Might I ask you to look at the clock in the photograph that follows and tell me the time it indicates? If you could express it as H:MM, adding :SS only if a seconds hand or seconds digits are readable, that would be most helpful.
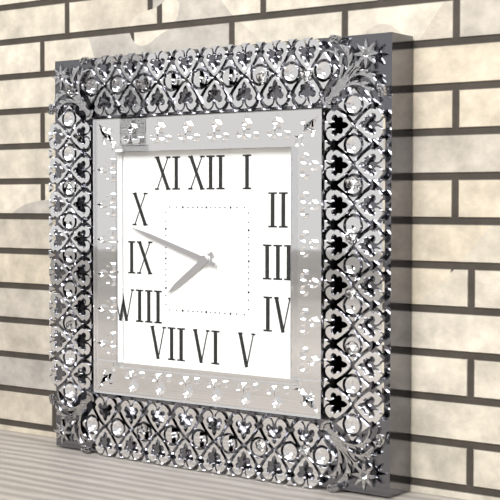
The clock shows 7:48
